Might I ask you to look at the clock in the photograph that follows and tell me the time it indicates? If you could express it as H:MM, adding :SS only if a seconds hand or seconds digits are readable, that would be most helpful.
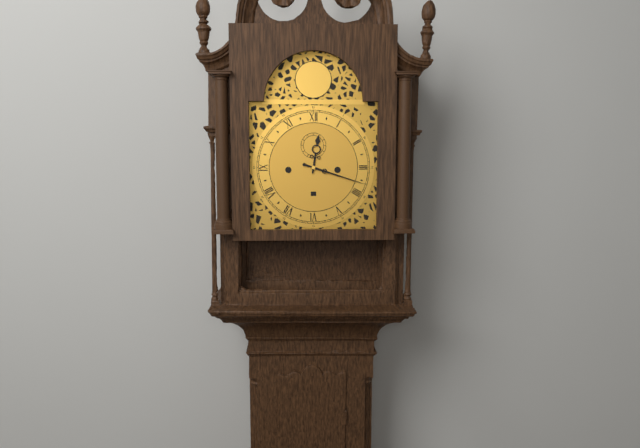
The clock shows 12:18
